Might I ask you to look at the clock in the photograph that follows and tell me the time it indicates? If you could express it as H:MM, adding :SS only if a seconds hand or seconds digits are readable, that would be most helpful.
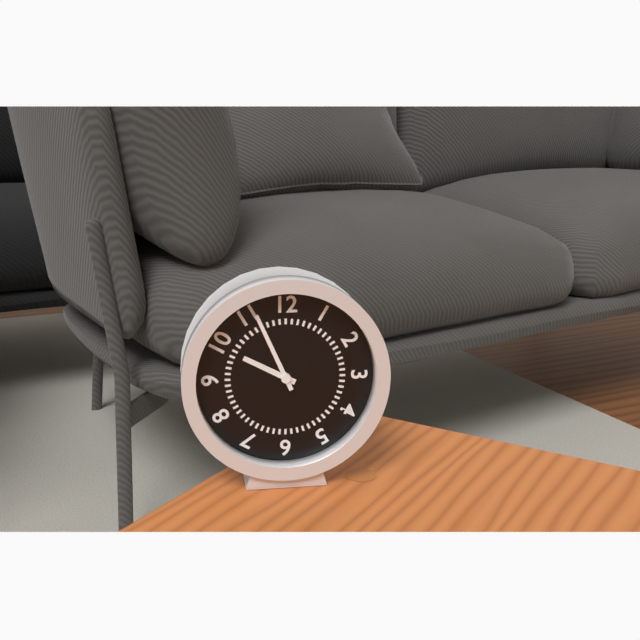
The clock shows 9:56
